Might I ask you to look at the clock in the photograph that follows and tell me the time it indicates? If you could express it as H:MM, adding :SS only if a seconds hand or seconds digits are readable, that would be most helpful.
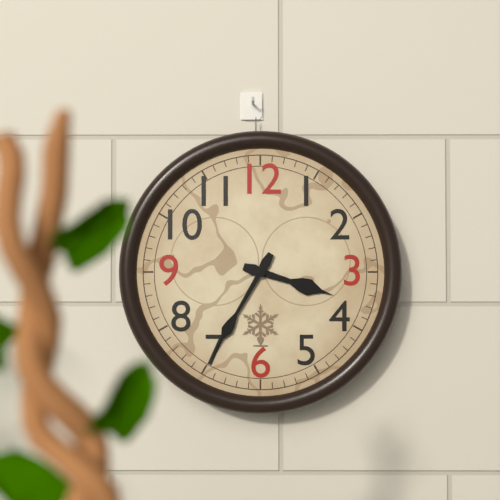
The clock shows 3:35
